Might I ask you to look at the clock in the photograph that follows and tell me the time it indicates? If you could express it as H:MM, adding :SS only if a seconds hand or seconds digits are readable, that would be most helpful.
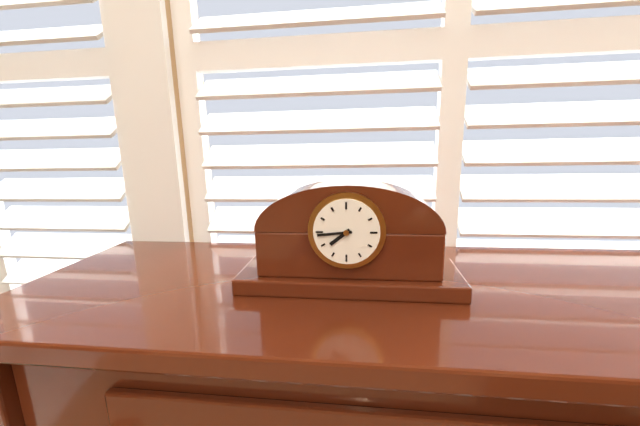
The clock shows 7:44
